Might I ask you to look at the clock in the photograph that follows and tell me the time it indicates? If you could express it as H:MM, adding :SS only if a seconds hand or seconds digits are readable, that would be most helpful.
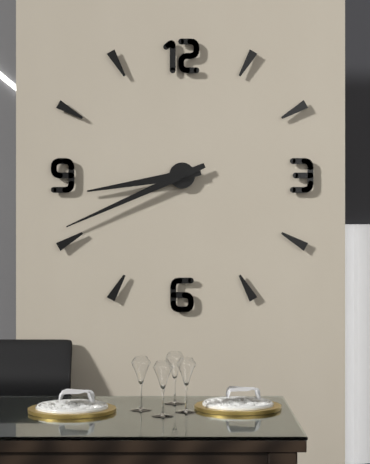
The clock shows 8:41
